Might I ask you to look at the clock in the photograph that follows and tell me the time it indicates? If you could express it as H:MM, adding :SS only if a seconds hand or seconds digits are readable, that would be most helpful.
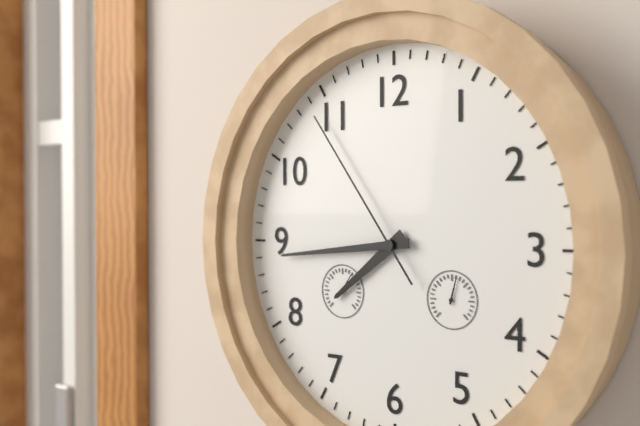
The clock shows 7:44:54
